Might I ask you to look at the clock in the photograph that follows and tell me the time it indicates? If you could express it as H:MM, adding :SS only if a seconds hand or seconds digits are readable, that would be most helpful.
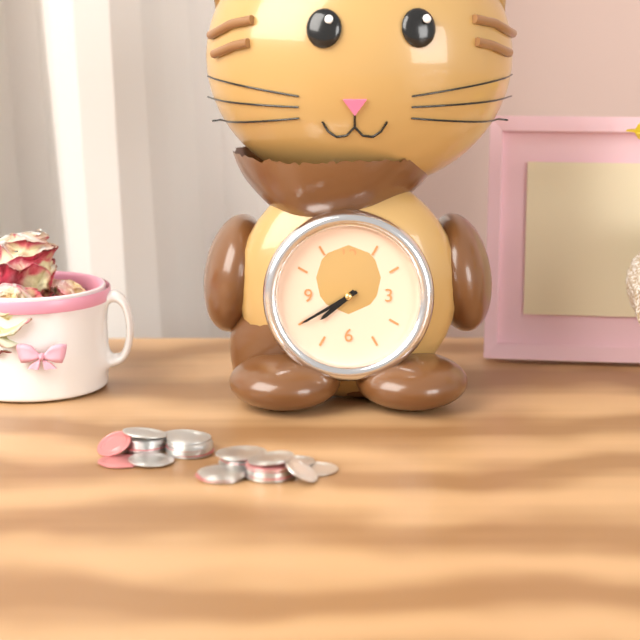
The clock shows 7:40
